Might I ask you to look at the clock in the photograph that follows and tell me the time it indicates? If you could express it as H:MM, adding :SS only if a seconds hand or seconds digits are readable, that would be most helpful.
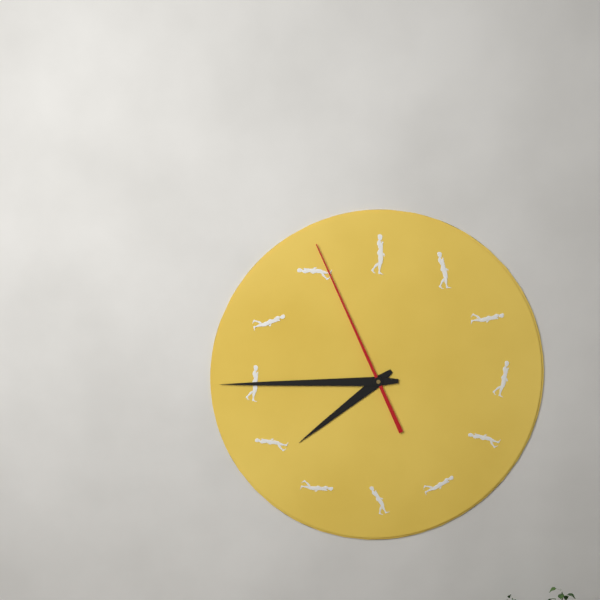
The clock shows 7:45:56
